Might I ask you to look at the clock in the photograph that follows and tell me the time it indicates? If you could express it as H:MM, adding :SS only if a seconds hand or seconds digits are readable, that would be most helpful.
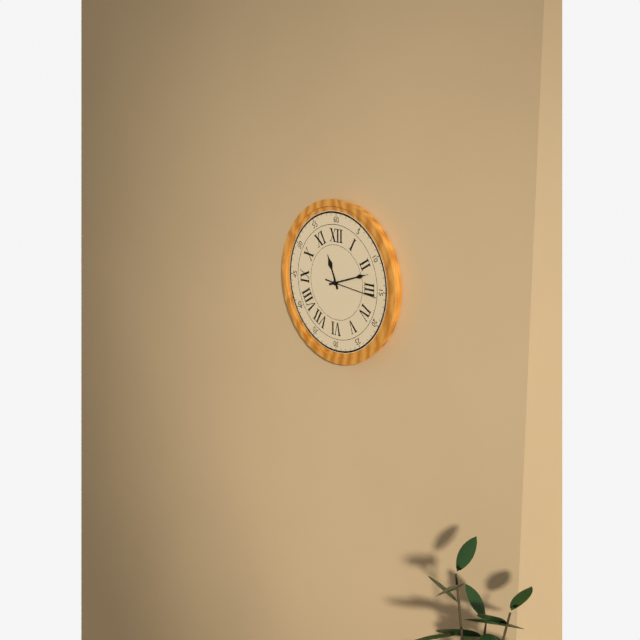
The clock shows 11:12:16
